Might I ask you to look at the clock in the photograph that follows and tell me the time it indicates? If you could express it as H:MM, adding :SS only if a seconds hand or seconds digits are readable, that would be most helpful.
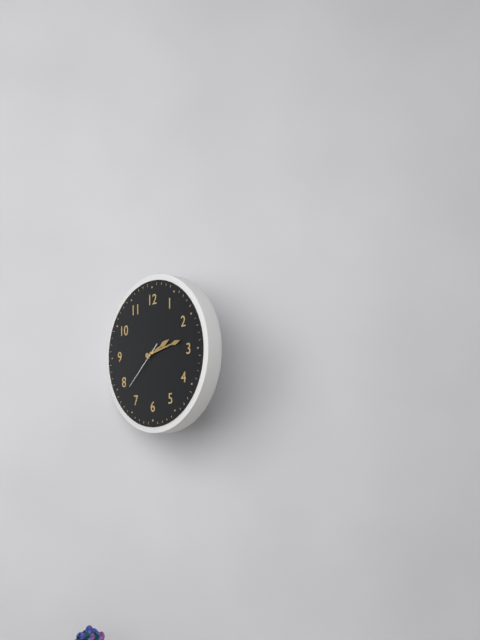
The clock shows 2:13
